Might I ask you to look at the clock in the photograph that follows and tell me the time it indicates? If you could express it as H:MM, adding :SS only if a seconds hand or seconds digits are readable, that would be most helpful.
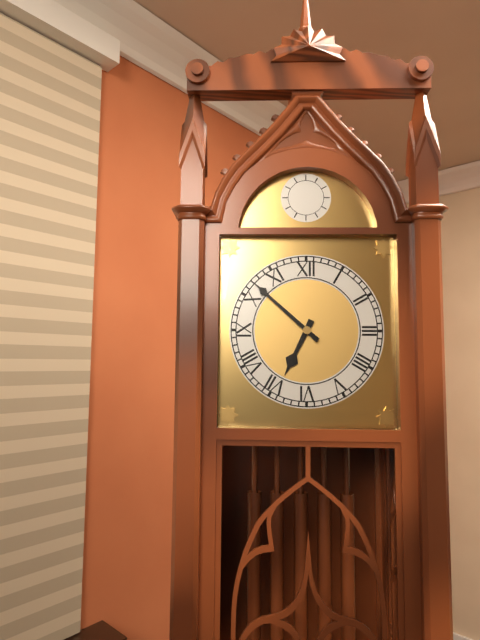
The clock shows 6:52
